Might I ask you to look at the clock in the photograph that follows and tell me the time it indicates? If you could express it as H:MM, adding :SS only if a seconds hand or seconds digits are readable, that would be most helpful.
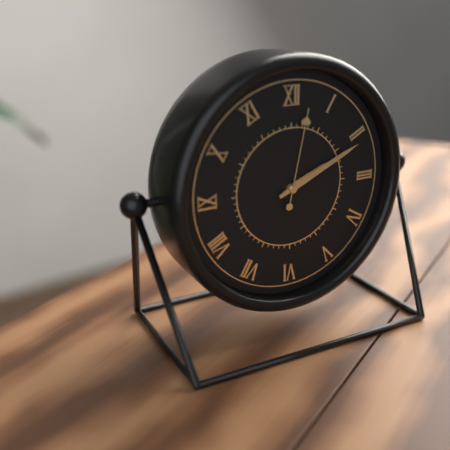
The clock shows 2:11:02
